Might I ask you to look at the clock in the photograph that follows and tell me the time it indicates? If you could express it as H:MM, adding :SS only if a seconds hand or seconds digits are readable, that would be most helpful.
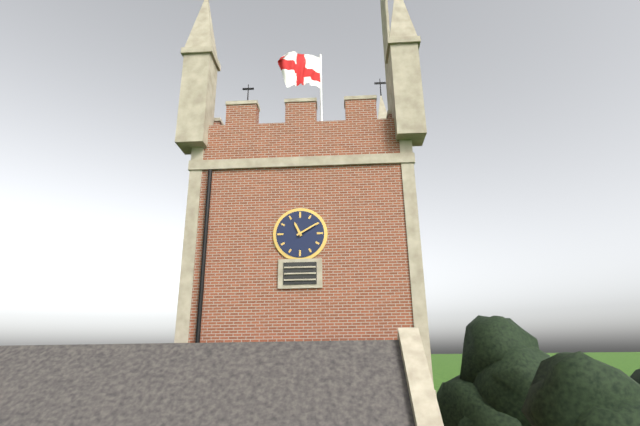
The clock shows 11:10
